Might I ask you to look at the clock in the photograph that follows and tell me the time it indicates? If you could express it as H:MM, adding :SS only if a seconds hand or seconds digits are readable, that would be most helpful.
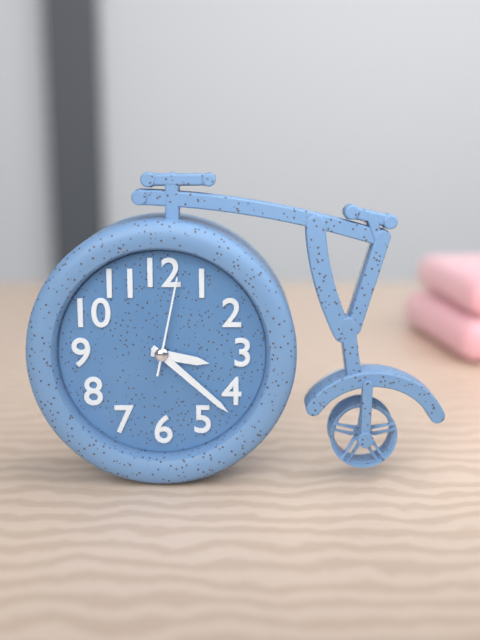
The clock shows 3:22:02
